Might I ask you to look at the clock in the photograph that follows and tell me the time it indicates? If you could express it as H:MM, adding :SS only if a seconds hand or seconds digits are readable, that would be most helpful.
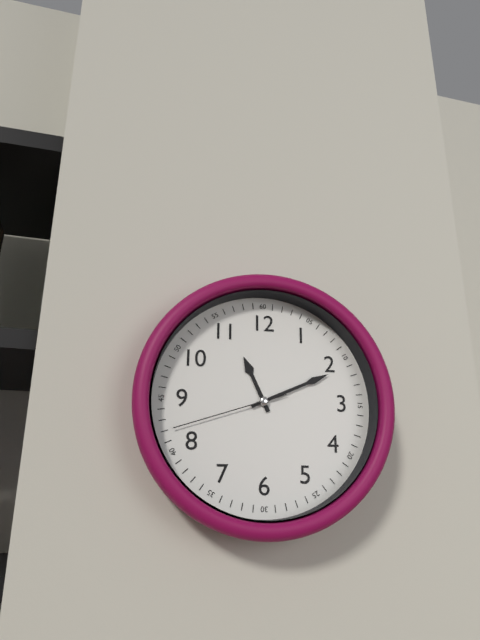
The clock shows 11:11:42
